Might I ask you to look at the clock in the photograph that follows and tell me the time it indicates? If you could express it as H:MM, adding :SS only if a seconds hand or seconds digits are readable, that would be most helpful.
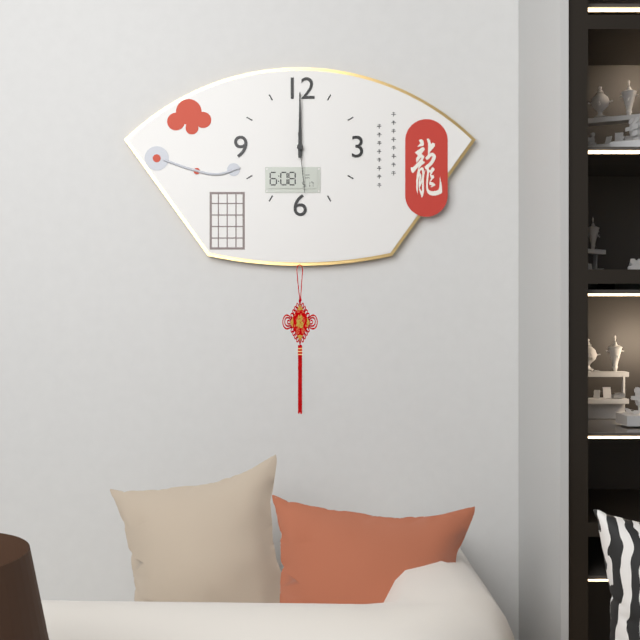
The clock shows 12:00:29
